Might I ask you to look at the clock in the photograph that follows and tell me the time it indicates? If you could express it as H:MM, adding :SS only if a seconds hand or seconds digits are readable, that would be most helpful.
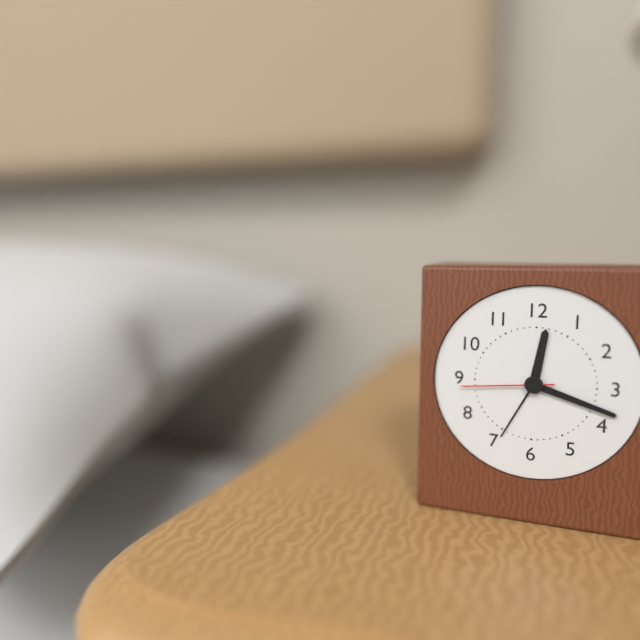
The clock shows 12:18:44
